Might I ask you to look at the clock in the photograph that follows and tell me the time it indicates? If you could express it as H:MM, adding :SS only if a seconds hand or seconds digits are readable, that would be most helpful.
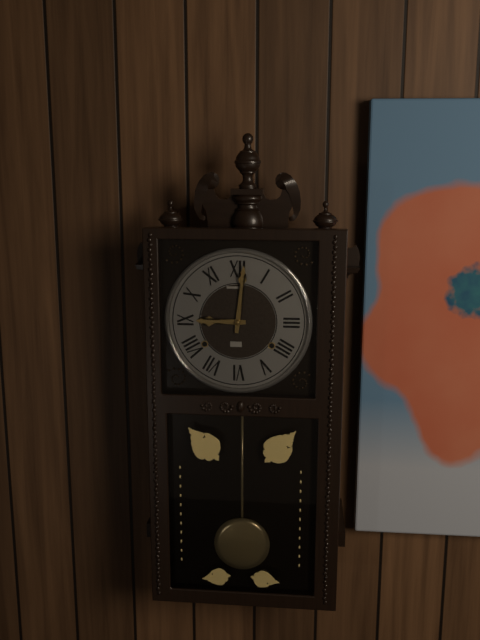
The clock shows 9:01
